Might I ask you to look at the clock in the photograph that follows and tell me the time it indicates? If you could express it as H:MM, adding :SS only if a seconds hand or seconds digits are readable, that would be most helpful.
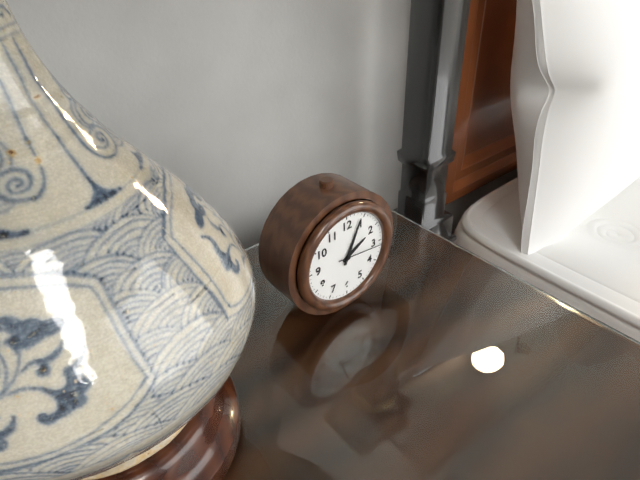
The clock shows 2:04
